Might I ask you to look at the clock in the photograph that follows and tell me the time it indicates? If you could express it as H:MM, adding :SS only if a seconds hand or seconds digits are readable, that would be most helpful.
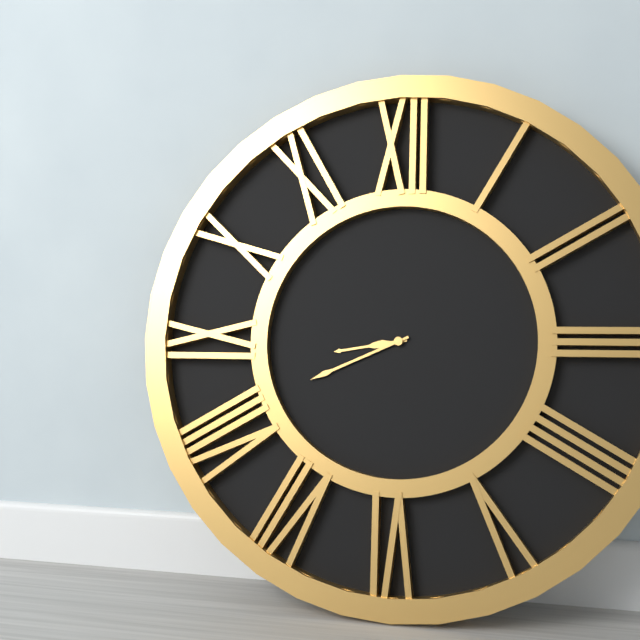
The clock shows 8:41
